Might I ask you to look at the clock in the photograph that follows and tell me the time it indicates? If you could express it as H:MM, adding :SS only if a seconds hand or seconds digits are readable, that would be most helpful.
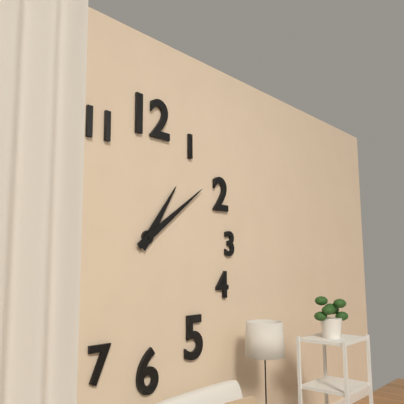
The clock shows 1:09
